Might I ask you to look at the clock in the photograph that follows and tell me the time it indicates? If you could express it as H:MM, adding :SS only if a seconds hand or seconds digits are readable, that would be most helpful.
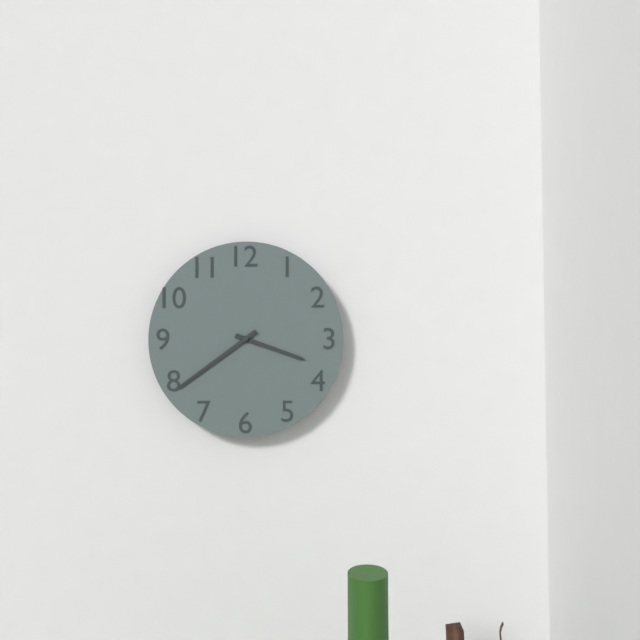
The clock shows 3:39
